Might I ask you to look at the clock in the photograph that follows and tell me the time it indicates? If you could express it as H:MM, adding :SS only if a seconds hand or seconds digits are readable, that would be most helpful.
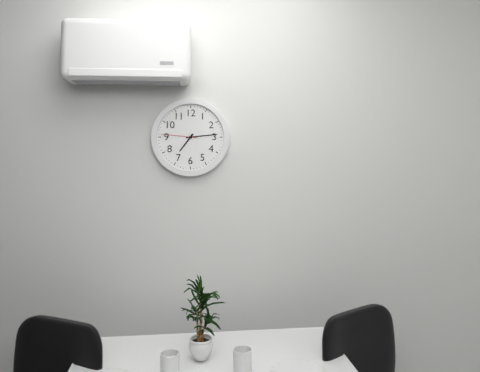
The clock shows 7:14
